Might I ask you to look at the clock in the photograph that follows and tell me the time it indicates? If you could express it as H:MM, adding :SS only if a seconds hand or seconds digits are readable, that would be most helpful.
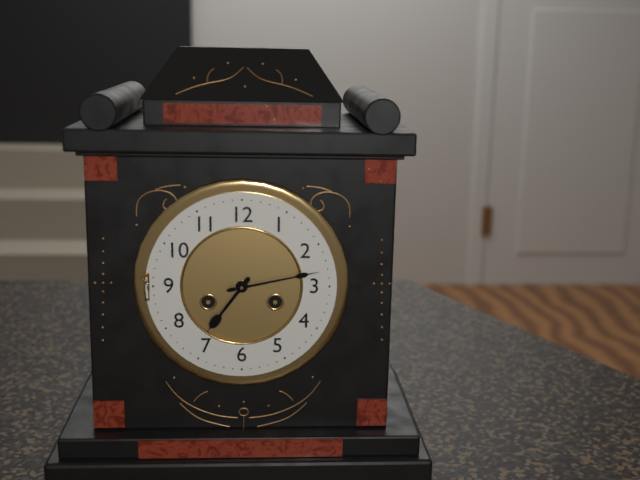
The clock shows 7:13
